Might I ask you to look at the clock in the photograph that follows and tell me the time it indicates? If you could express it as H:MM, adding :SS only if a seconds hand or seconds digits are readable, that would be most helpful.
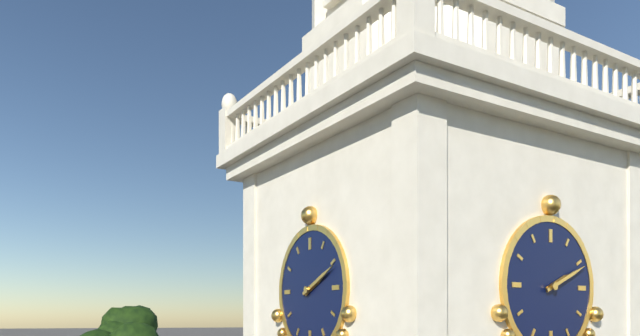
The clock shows 2:11
